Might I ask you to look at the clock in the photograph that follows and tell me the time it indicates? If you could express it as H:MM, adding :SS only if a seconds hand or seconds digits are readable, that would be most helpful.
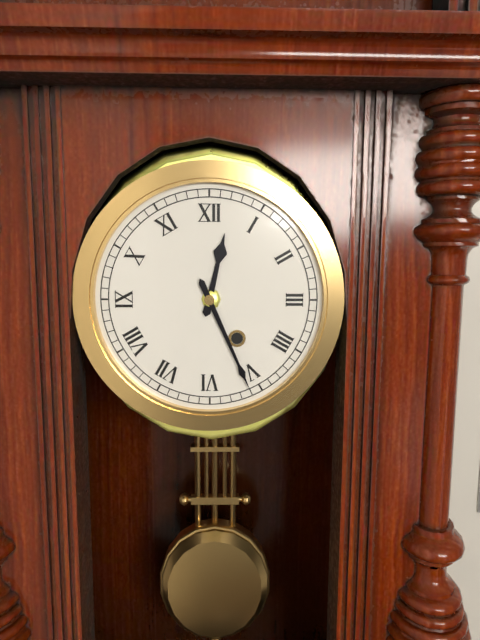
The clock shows 12:26
